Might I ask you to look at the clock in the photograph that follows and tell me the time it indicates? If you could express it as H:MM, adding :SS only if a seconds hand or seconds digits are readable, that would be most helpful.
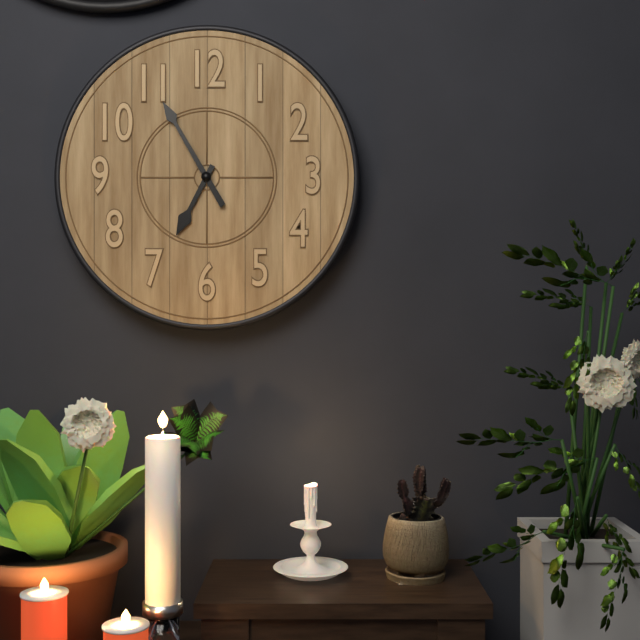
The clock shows 6:55
